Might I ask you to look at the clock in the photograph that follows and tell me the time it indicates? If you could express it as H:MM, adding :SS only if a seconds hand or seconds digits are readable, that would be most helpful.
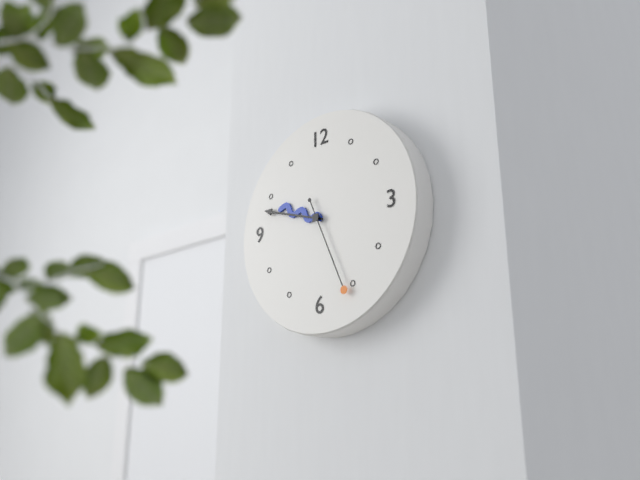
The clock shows 9:48:26
